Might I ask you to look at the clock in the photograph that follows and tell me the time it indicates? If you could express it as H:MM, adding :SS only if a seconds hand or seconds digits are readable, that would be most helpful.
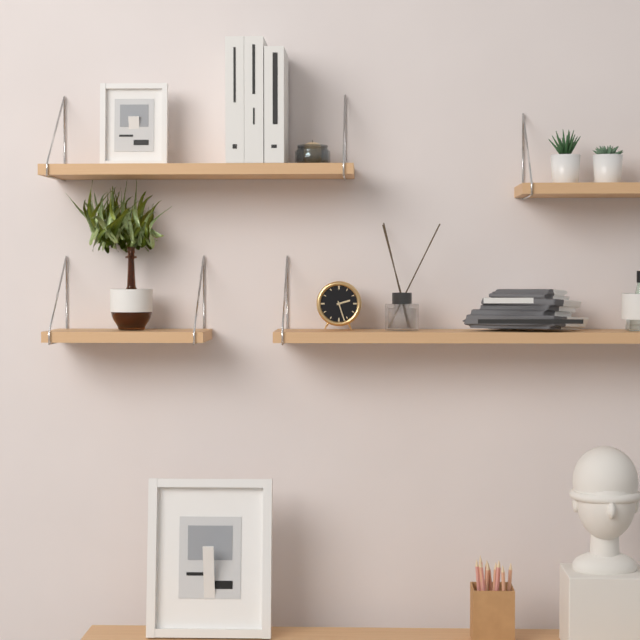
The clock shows 2:27
